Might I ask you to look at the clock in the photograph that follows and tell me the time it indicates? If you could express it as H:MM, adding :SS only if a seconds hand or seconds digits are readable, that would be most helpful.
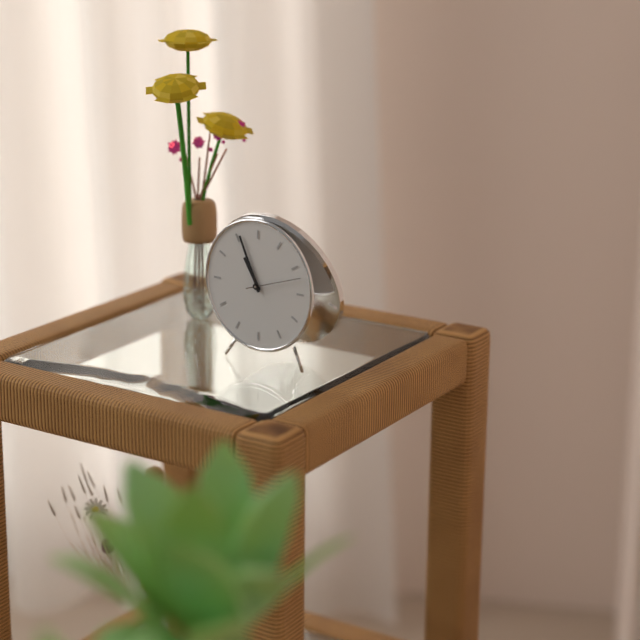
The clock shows 10:56:12
